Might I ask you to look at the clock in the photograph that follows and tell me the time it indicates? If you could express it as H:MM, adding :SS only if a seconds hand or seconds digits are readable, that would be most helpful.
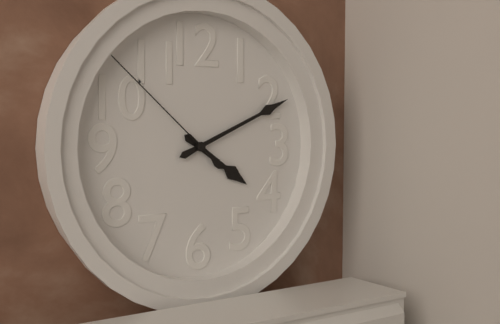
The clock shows 4:11:52
